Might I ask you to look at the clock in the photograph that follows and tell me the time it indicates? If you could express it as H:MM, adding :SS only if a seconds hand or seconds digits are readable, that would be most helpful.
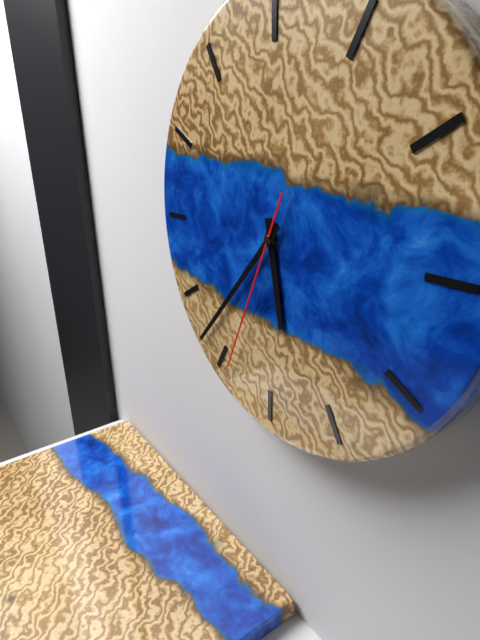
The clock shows 5:37:34
